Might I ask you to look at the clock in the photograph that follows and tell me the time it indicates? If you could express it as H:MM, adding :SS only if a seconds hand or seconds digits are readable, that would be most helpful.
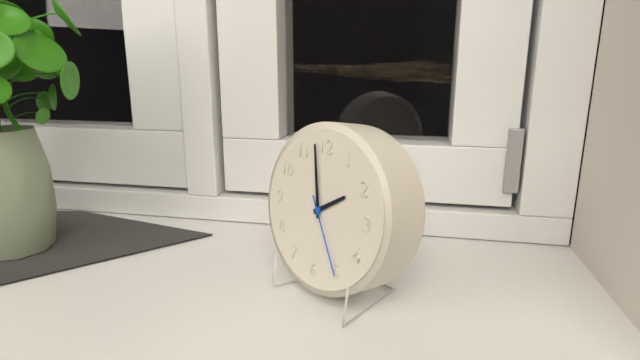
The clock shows 1:58:25
